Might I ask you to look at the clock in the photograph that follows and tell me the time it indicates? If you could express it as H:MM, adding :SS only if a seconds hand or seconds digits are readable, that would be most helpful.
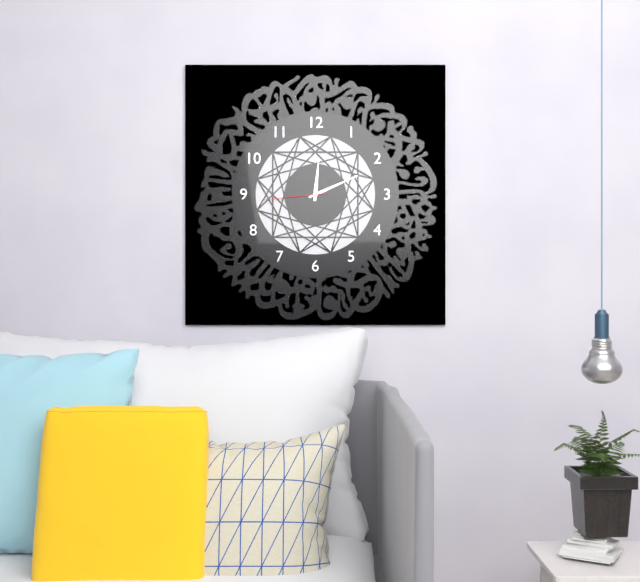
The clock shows 12:11:44
